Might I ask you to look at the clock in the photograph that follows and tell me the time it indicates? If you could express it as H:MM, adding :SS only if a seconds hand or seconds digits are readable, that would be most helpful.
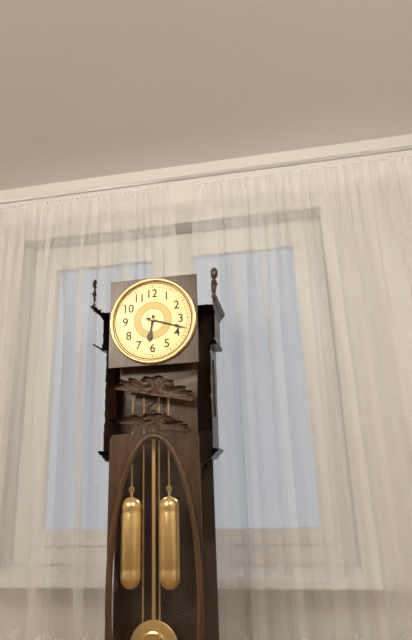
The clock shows 6:18
